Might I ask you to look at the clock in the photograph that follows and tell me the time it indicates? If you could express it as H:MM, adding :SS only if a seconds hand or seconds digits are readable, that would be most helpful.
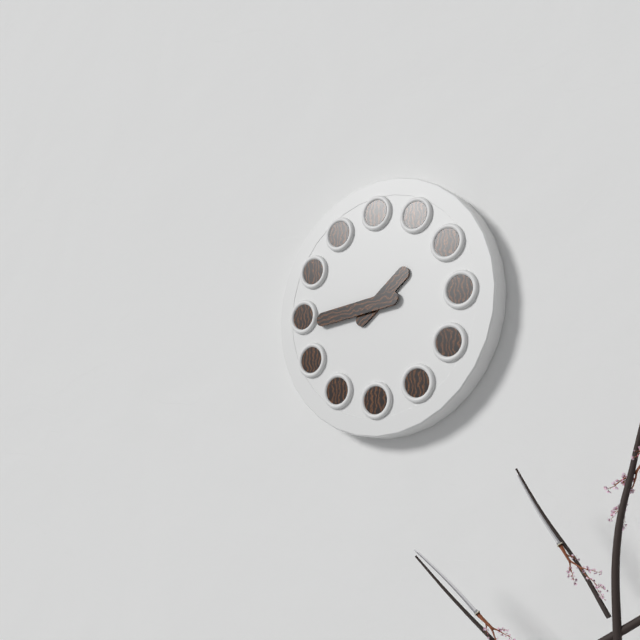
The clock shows 1:44
